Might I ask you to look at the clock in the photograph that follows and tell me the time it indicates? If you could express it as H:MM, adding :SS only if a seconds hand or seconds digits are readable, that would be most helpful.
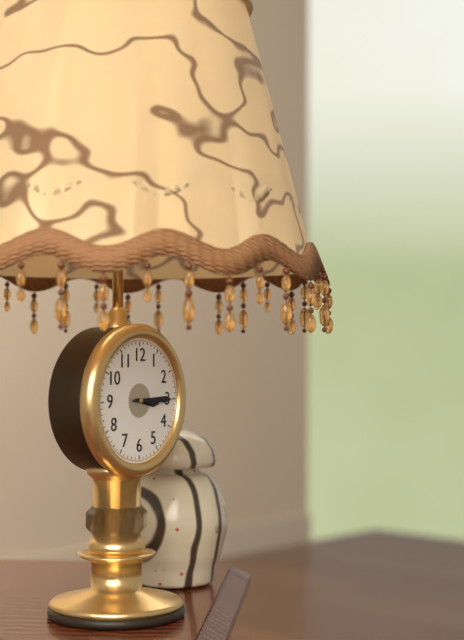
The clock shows 3:15
